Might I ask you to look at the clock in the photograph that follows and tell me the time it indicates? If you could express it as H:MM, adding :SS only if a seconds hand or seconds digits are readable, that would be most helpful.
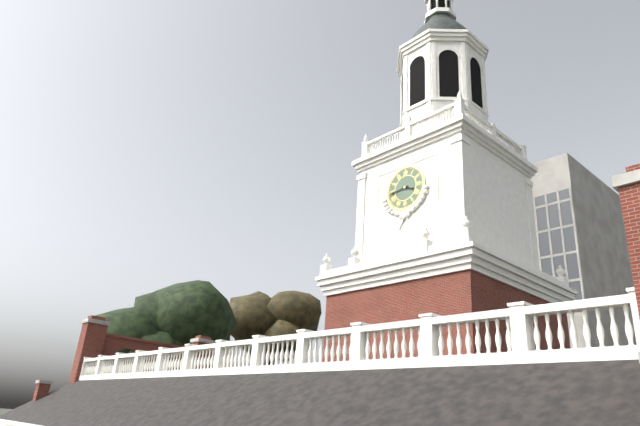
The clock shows 3:44
